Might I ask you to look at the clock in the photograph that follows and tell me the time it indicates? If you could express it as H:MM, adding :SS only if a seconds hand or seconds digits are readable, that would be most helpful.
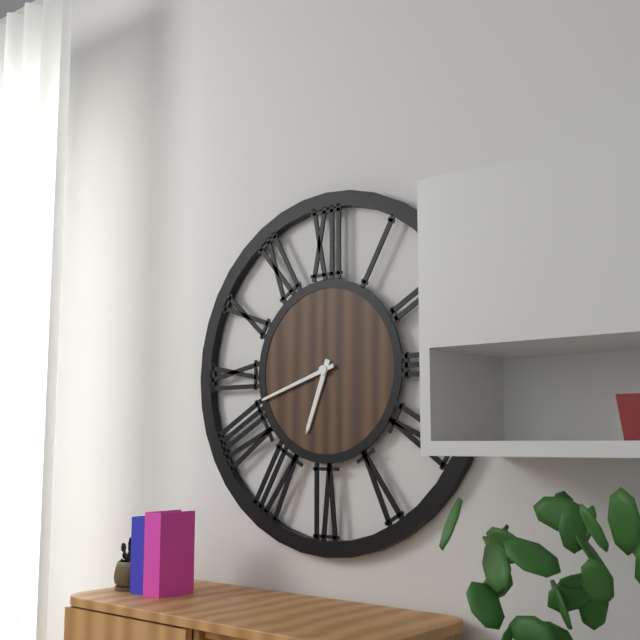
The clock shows 6:42
